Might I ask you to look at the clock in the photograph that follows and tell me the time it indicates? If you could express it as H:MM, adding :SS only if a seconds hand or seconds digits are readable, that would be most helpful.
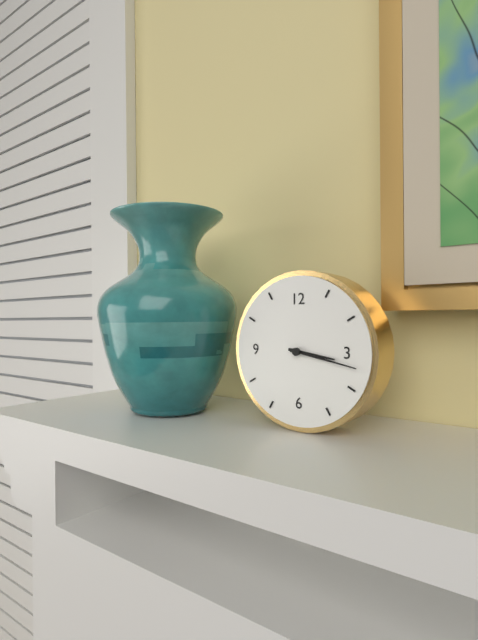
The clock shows 3:17
